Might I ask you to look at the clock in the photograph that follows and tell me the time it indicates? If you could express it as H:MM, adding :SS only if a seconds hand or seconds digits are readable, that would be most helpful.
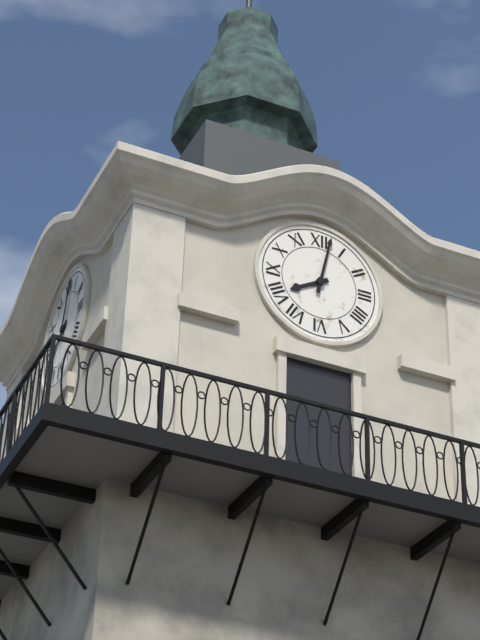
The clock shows 8:02
